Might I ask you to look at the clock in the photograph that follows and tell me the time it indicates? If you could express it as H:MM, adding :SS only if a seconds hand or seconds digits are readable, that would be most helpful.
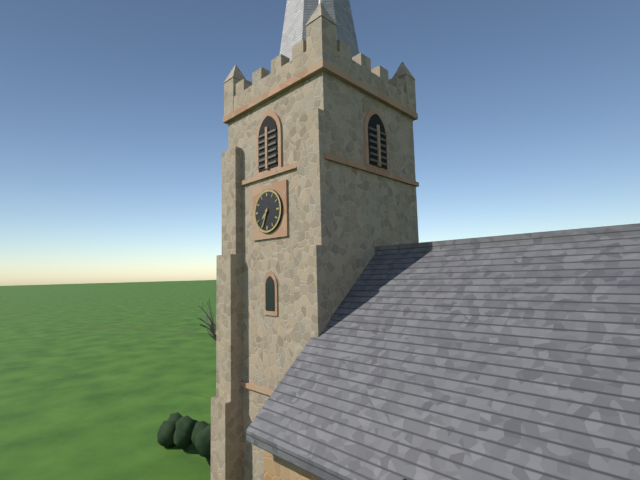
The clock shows 7:34
